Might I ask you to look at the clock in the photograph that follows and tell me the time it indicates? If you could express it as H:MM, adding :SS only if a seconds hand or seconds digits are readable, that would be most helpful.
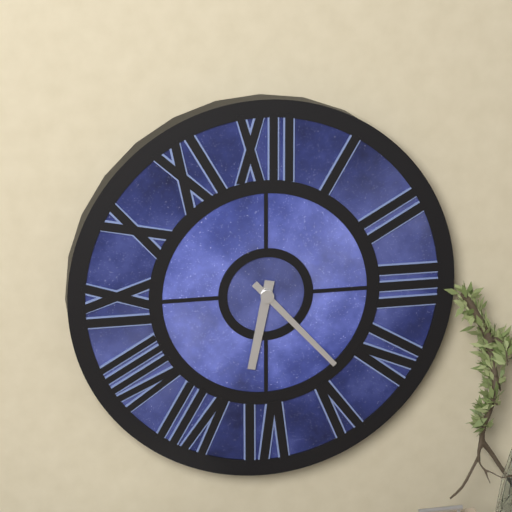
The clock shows 6:23
